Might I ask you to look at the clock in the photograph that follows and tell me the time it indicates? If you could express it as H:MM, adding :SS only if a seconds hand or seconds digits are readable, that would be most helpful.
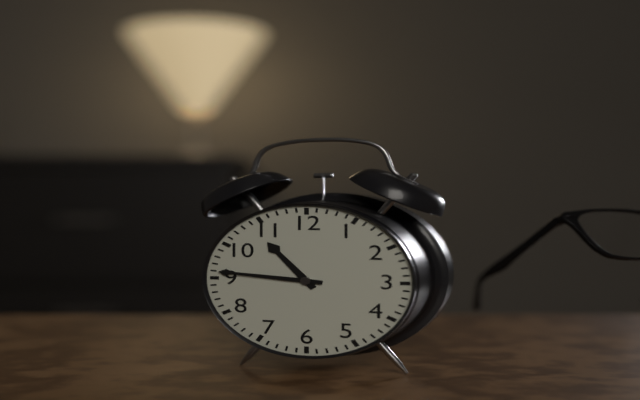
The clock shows 10:46
